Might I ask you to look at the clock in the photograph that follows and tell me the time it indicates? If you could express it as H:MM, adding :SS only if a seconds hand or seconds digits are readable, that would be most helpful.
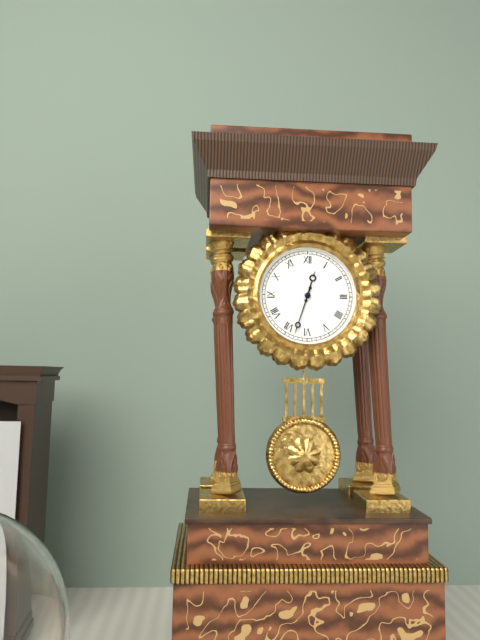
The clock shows 12:33
